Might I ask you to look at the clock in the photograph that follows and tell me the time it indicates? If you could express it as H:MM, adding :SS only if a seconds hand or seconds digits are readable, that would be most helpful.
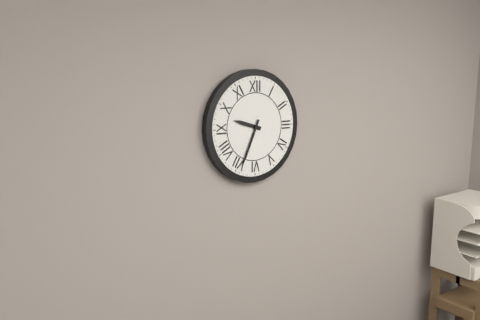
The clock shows 9:34
